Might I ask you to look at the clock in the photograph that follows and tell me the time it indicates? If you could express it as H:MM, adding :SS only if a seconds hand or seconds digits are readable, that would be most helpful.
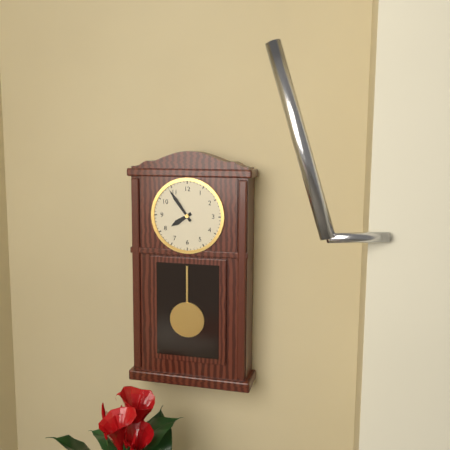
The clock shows 7:54
